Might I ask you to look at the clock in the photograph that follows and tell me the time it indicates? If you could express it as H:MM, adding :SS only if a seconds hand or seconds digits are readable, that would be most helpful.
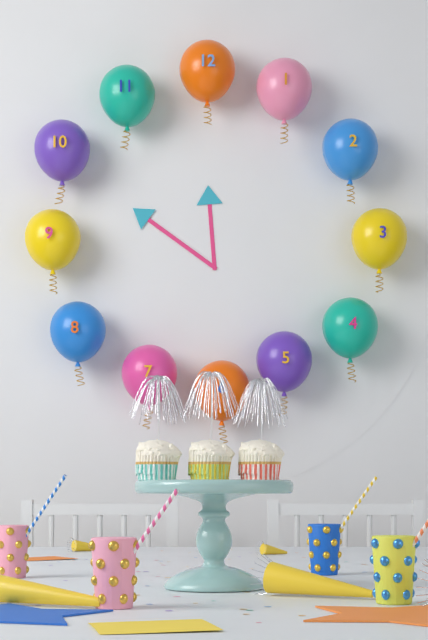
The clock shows 11:51
